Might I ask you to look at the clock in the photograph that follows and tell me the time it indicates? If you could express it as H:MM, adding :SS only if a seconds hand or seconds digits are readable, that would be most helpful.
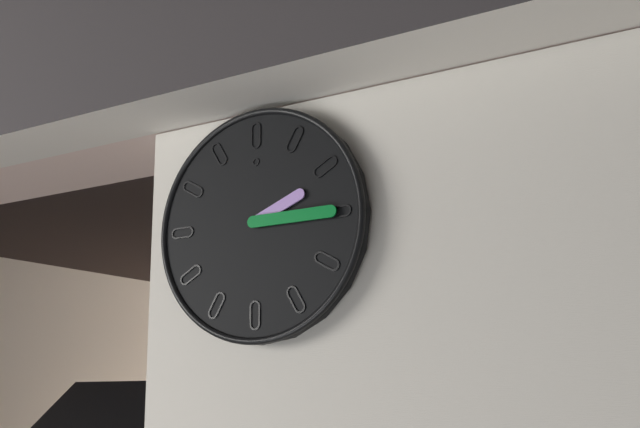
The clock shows 2:15
